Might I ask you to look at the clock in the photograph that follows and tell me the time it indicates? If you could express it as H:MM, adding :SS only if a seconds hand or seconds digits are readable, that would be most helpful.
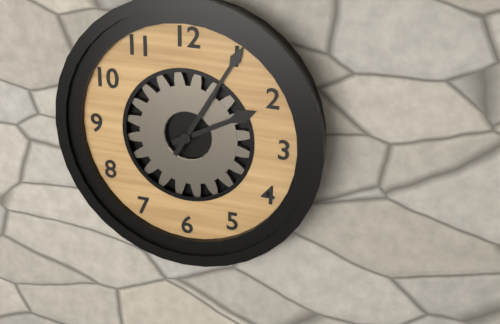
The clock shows 2:05
